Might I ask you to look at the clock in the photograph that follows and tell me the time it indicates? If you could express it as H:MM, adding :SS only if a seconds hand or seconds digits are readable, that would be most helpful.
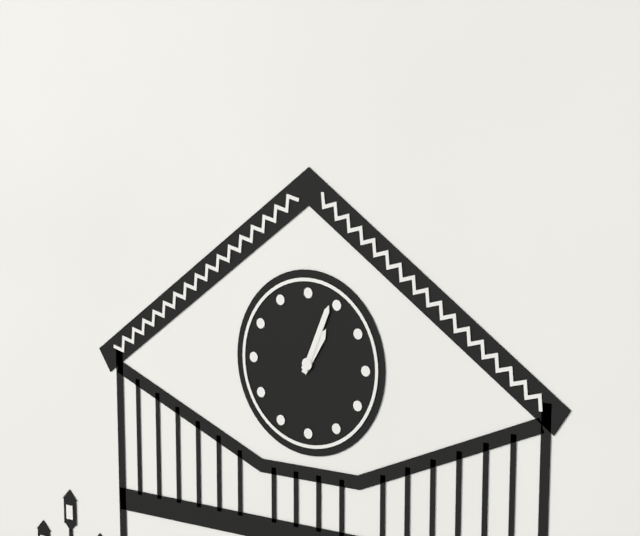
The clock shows 1:04
